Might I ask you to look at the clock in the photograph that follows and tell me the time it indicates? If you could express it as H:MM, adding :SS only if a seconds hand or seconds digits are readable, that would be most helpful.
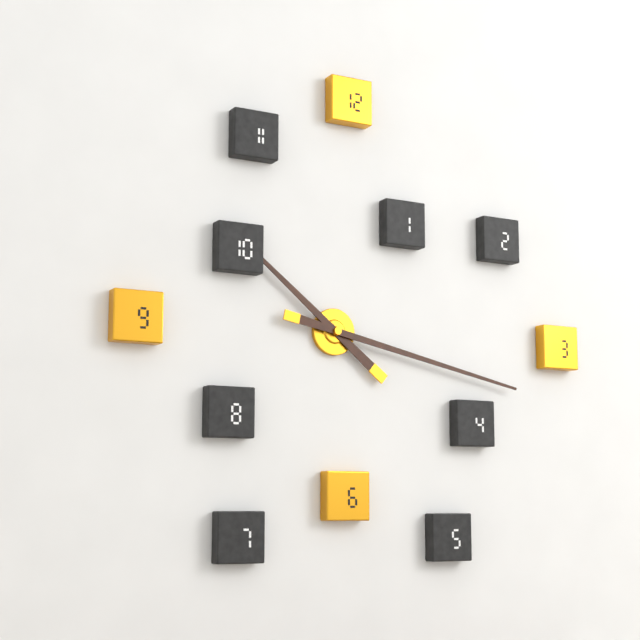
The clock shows 10:17
